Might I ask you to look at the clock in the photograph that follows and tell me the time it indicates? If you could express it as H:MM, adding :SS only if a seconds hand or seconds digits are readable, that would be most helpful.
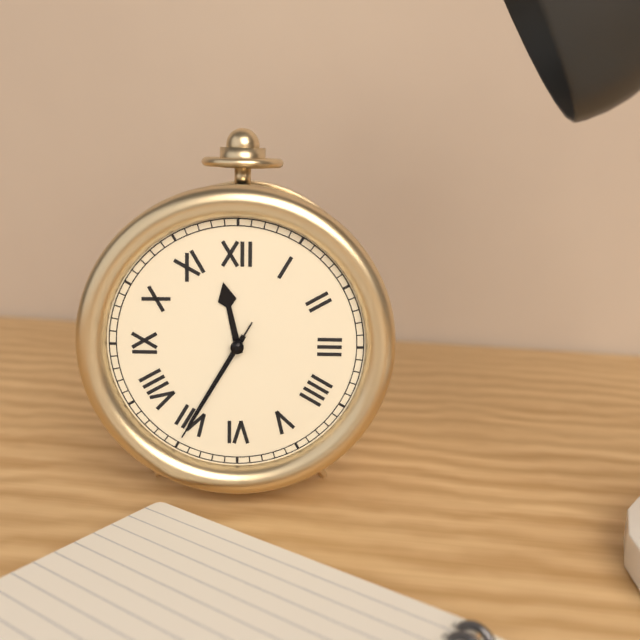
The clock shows 11:35:35
